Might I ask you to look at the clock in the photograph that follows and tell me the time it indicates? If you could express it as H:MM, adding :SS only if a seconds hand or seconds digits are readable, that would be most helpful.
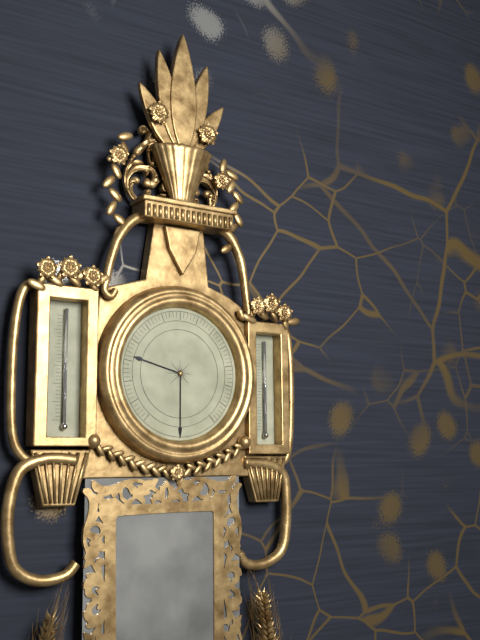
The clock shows 9:30
